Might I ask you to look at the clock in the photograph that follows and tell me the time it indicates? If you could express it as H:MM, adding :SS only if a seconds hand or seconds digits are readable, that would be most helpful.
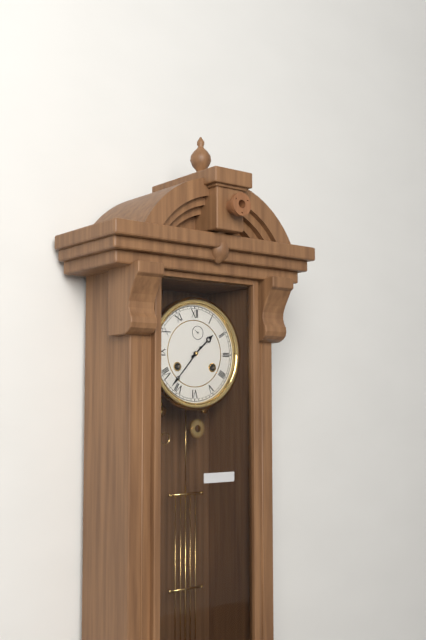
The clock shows 1:37
